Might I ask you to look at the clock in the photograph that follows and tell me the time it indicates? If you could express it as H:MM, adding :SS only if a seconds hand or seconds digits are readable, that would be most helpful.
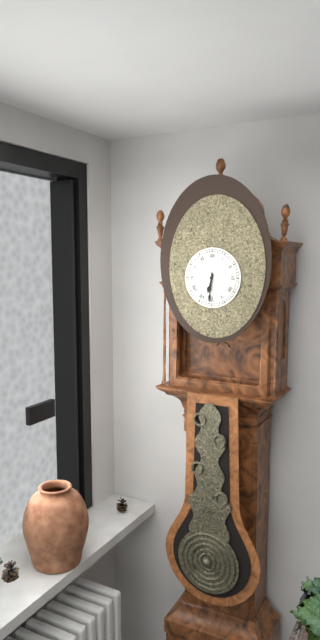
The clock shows 6:31
